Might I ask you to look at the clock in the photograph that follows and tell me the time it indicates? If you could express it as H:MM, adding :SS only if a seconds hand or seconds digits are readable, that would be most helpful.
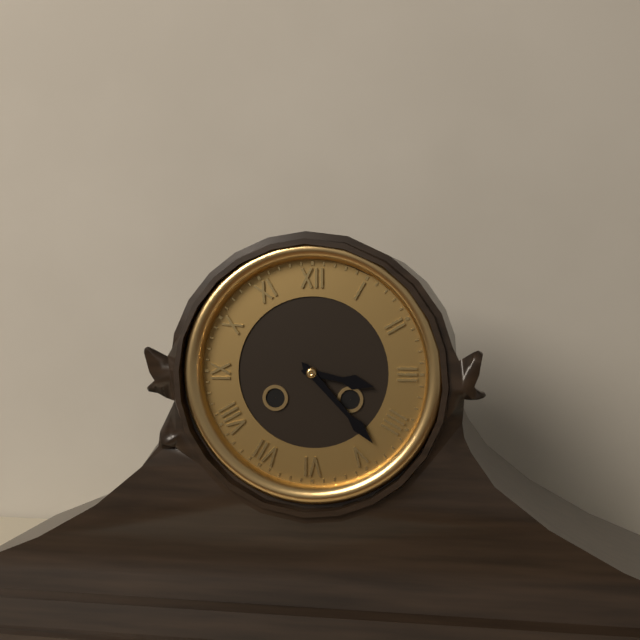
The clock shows 3:23
